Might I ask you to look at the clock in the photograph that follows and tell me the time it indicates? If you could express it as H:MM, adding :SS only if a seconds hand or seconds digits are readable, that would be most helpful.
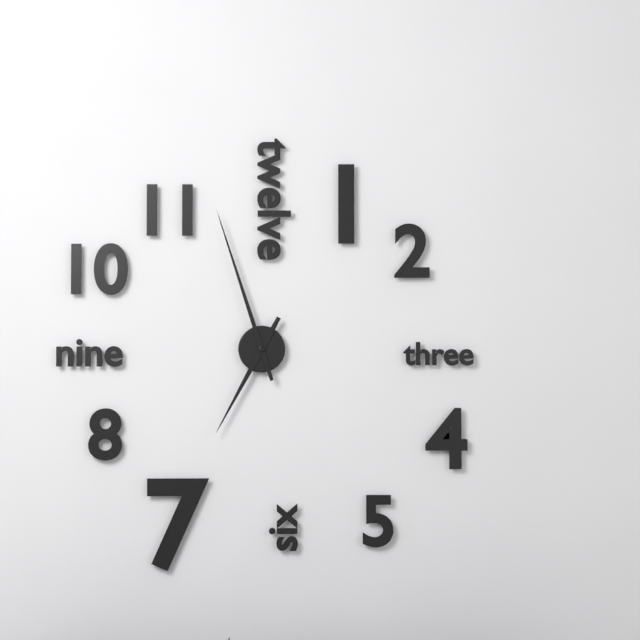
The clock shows 6:57
